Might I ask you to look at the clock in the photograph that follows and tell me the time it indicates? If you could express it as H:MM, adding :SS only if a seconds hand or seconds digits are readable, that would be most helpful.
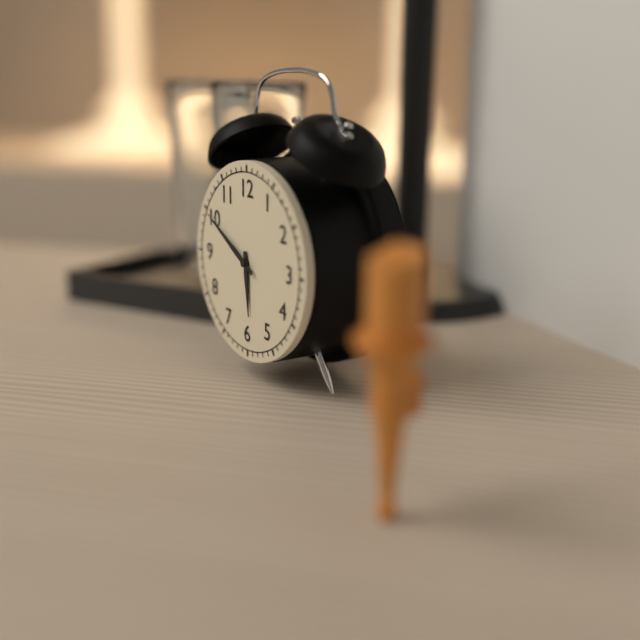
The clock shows 5:50
